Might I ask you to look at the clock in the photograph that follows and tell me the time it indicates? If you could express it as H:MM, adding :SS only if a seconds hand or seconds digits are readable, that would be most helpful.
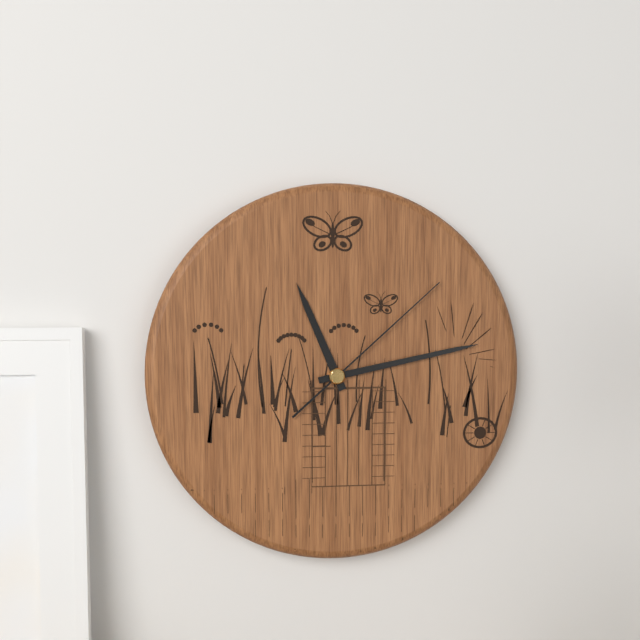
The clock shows 11:13:08
